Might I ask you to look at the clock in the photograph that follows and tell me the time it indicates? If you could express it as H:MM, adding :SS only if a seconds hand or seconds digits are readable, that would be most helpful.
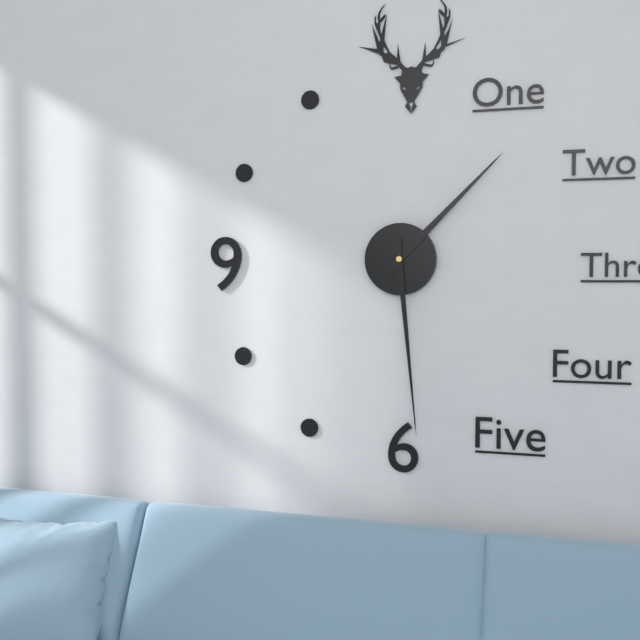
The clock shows 1:29
